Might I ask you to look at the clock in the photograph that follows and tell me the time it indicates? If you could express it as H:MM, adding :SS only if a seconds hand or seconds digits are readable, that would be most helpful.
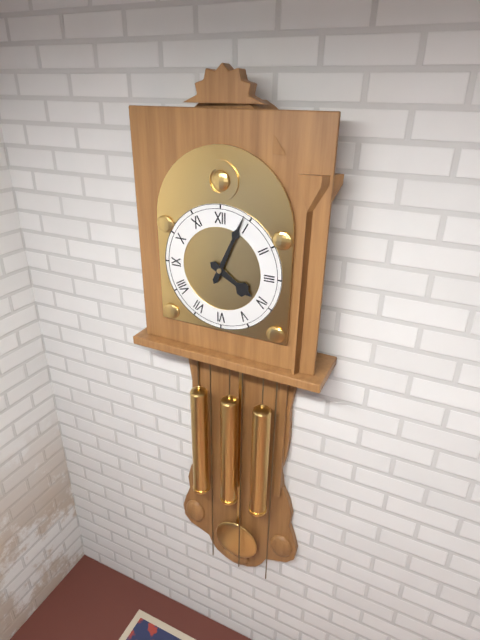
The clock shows 4:04
